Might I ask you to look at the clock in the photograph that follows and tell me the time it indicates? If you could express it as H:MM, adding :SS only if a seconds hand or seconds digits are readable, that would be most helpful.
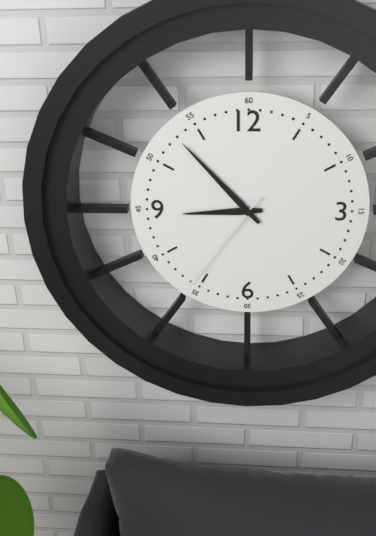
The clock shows 8:53:36
